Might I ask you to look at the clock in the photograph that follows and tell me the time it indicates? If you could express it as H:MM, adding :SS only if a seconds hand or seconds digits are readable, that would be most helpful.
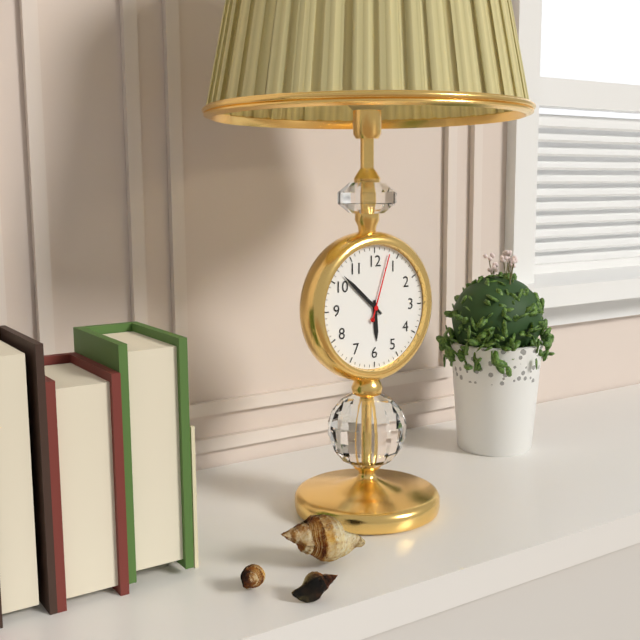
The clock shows 5:52:03
